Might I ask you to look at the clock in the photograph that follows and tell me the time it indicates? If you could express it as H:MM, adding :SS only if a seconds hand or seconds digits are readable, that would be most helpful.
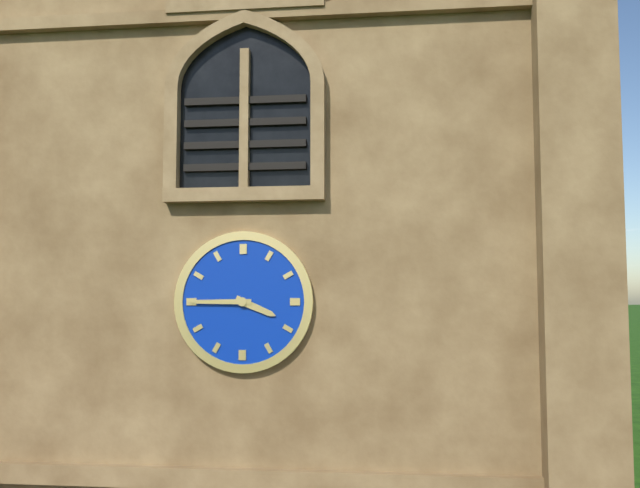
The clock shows 3:45
